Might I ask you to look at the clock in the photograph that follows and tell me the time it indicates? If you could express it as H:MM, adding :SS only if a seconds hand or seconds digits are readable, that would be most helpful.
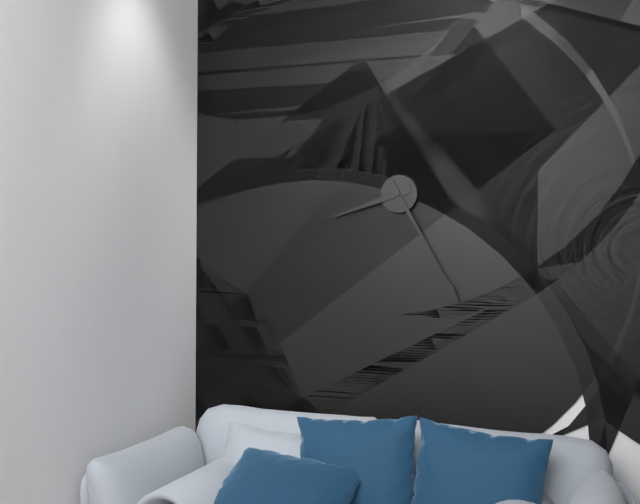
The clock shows 8:25
